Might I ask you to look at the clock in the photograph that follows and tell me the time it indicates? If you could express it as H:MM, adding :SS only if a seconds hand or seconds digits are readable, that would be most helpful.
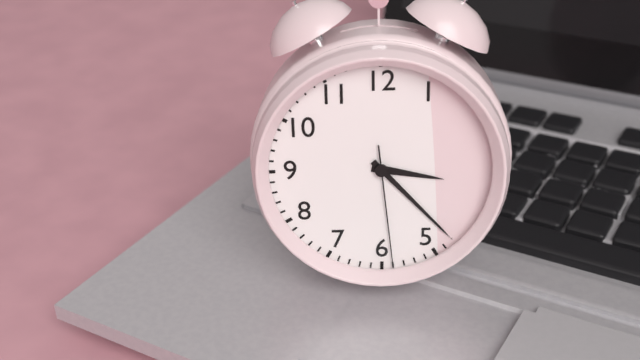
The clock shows 3:23:29
